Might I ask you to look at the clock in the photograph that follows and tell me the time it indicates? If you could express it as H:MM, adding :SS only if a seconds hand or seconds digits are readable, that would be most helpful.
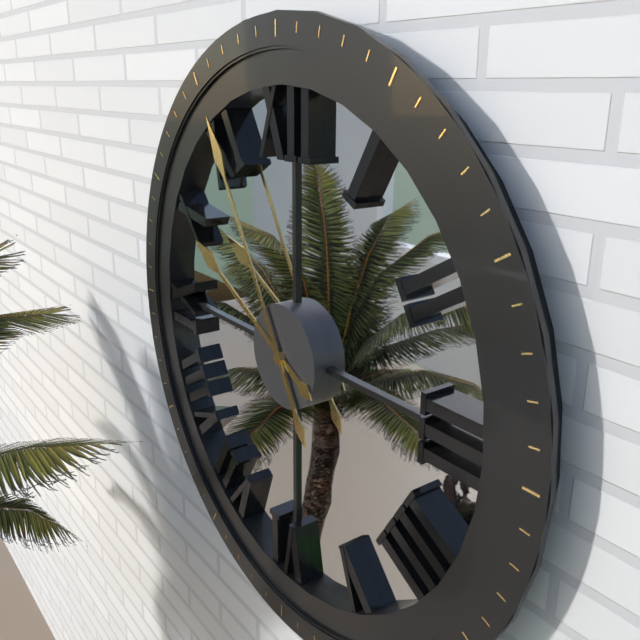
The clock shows 9:55
